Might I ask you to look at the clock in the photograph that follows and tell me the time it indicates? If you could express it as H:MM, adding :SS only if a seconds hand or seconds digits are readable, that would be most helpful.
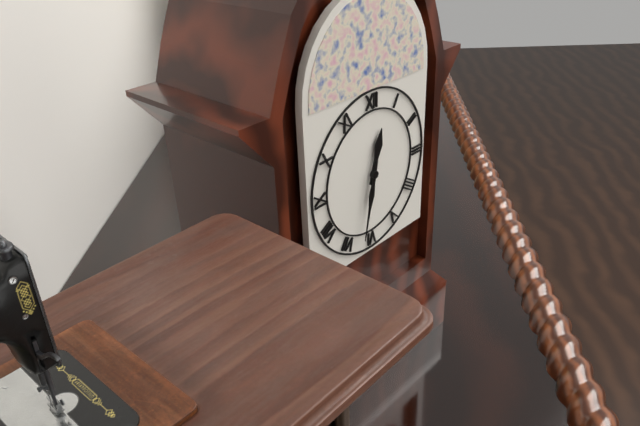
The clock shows 12:32
